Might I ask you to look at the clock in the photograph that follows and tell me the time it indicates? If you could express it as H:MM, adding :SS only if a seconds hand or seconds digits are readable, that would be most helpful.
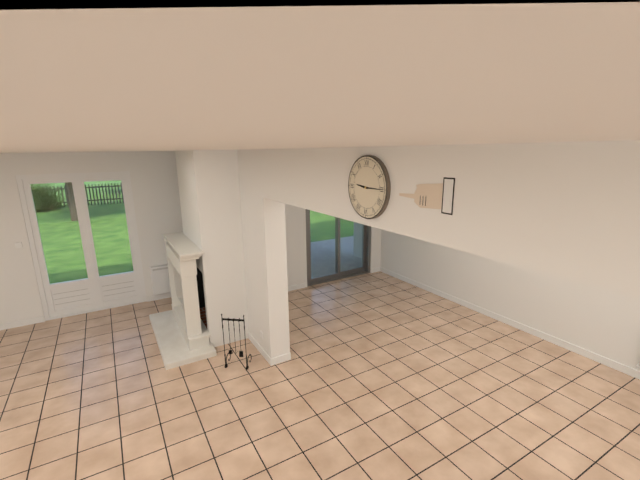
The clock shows 9:15
